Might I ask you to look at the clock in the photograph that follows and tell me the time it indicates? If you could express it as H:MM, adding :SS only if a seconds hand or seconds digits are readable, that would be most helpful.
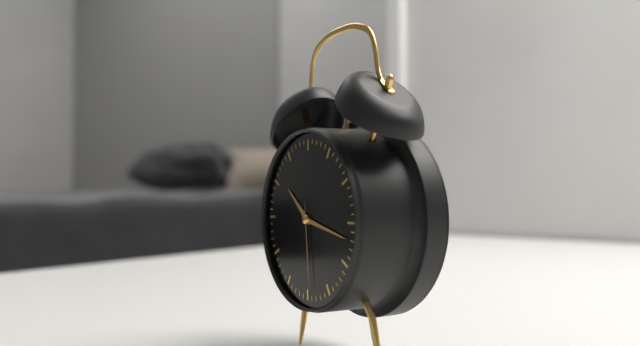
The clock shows 10:17:29
